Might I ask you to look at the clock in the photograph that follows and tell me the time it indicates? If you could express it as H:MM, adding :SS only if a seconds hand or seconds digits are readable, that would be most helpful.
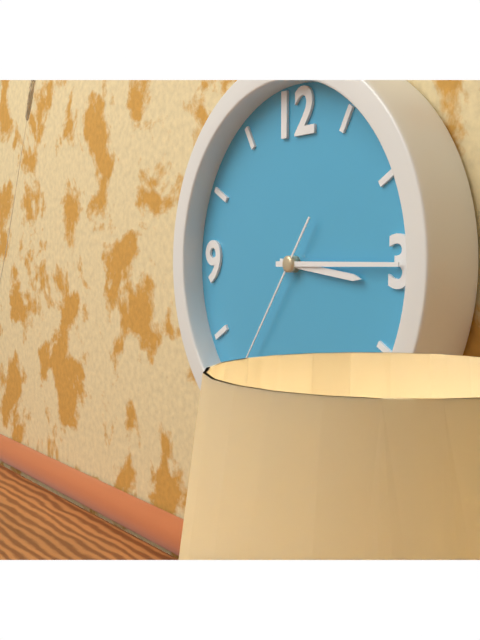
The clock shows 3:15:36
